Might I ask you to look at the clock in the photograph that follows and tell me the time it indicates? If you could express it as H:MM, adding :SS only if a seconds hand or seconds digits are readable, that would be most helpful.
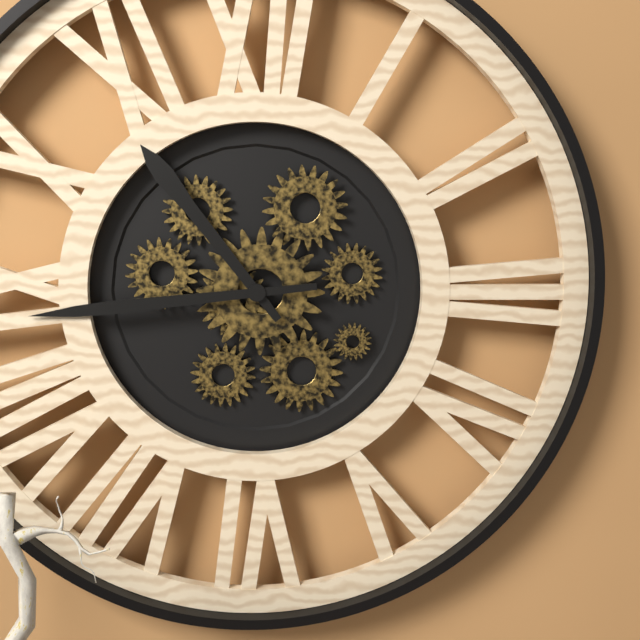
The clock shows 10:44
